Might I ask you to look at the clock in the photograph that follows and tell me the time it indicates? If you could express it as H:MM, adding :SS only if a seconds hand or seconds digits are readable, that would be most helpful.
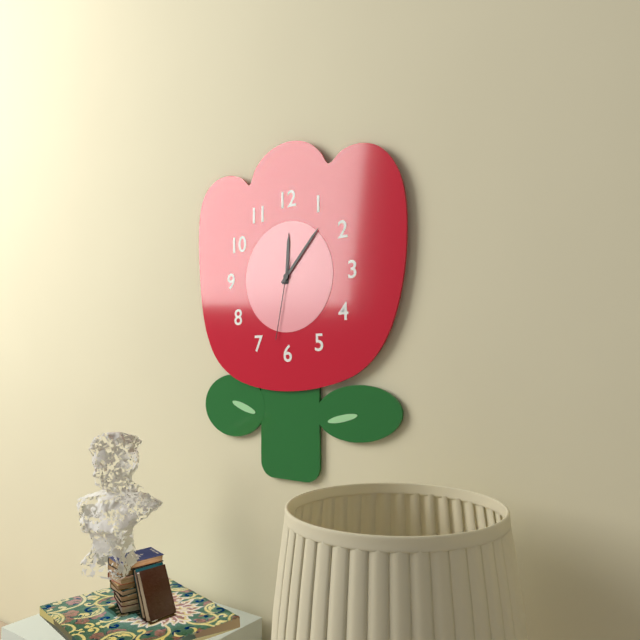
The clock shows 12:07:32
